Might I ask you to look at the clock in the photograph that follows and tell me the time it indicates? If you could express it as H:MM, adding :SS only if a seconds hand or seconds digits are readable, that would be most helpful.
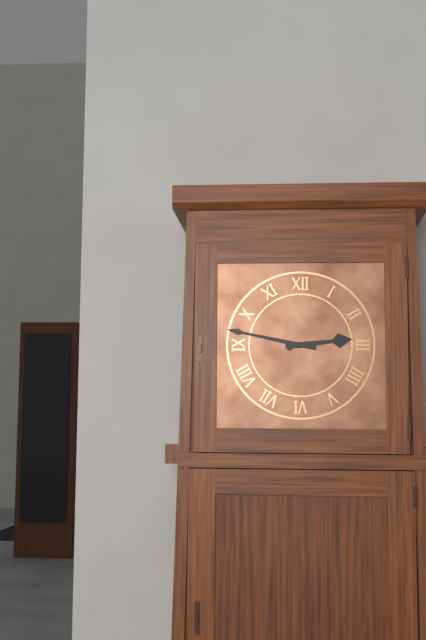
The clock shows 2:47
